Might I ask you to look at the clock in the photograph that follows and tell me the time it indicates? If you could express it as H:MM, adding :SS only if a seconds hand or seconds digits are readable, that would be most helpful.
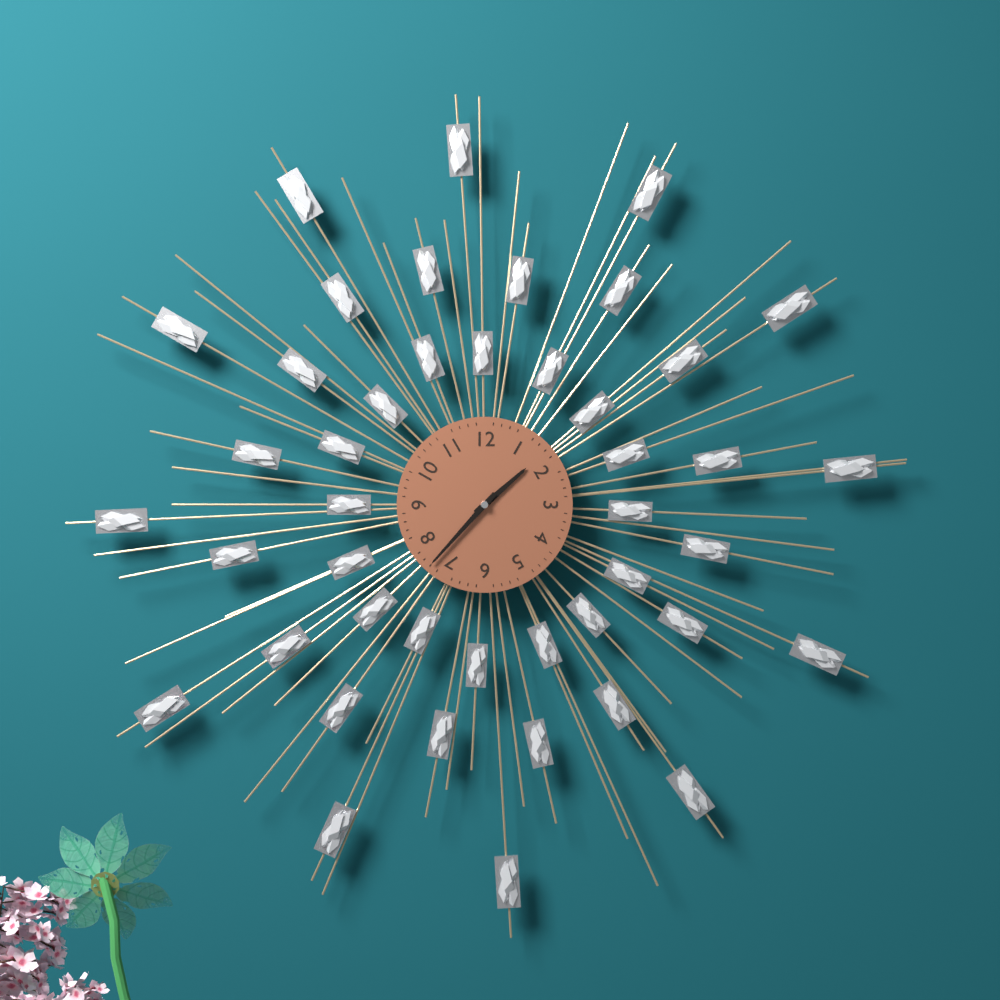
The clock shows 1:37
